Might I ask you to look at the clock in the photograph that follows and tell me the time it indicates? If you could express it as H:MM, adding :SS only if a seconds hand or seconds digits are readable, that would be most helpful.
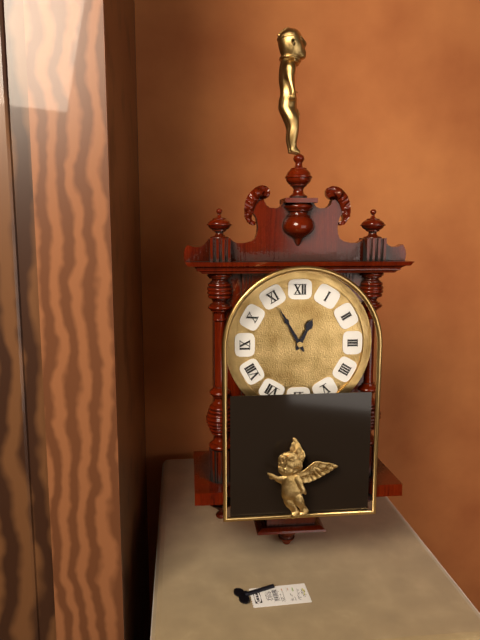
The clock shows 12:55
